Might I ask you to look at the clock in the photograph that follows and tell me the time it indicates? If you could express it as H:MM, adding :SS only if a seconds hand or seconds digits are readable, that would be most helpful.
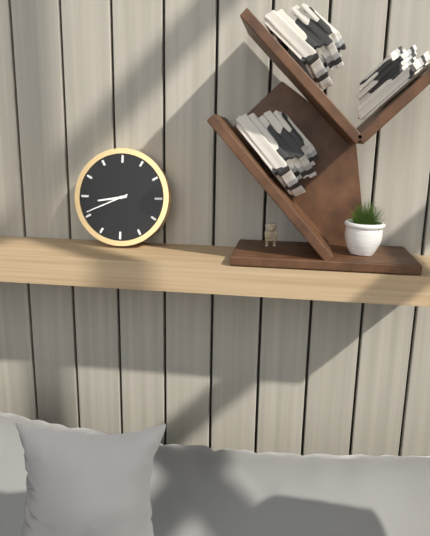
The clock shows 8:41
